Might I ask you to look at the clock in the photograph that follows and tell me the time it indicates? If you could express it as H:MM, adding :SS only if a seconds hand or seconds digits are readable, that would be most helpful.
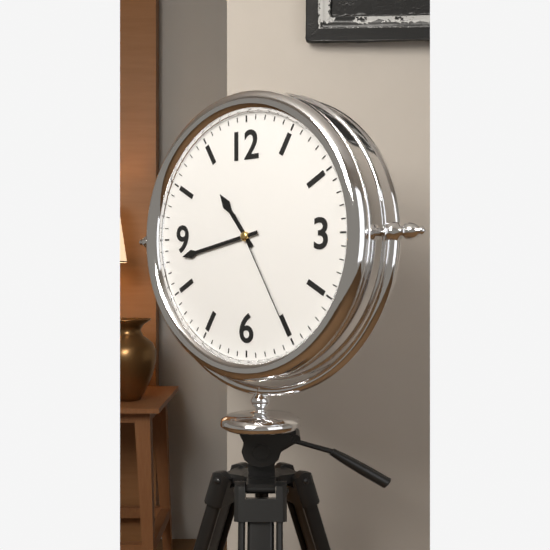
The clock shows 10:43:25
